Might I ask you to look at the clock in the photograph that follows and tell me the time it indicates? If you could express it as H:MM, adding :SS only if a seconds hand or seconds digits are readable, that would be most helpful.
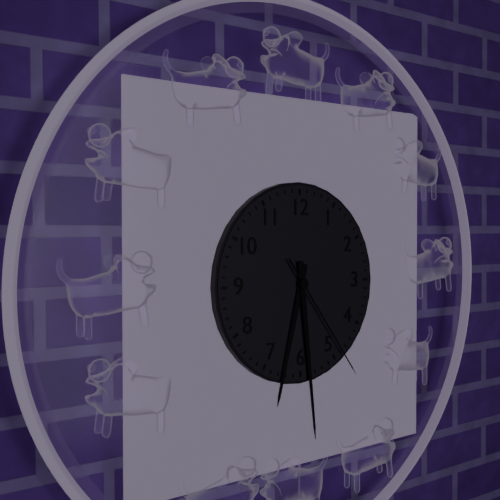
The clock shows 6:29:24
